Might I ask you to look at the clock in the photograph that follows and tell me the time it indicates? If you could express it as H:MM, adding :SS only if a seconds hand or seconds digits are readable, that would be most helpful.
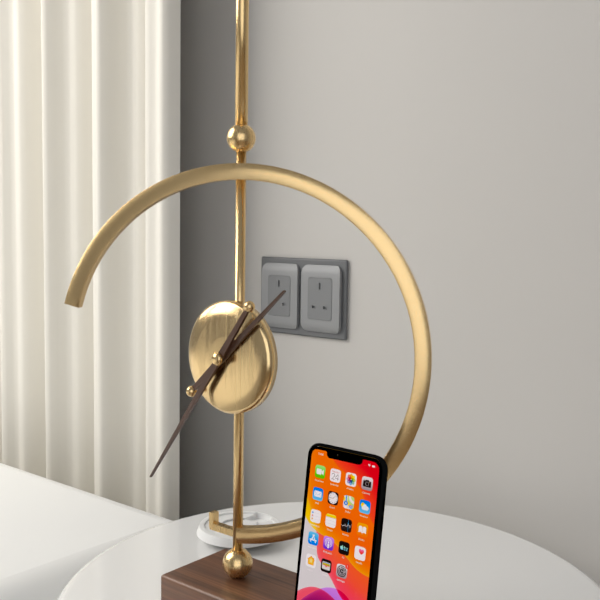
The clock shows 1:36
